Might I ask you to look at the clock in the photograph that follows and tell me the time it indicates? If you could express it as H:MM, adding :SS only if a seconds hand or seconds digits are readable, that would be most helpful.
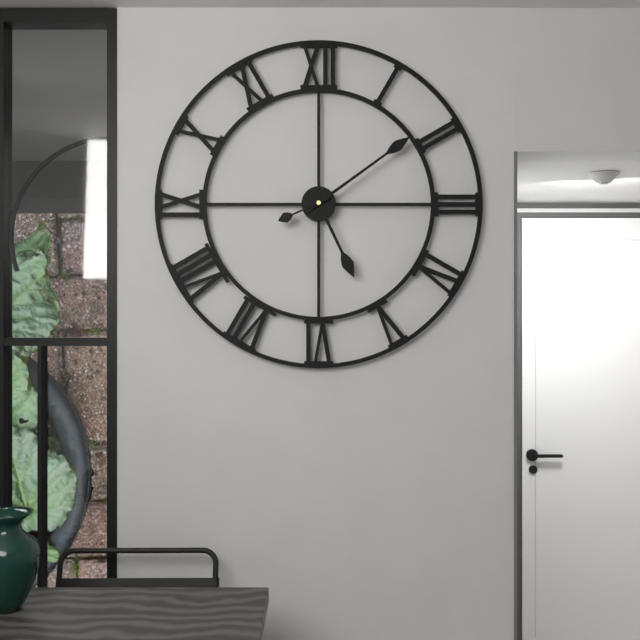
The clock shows 5:09:41
